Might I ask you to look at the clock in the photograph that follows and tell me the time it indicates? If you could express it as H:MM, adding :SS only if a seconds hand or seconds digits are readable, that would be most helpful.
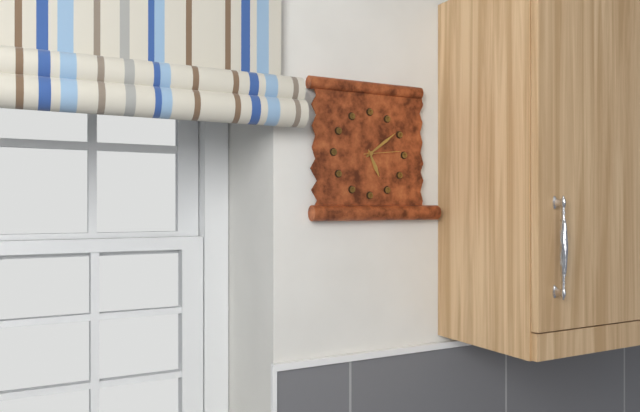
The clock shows 5:09
